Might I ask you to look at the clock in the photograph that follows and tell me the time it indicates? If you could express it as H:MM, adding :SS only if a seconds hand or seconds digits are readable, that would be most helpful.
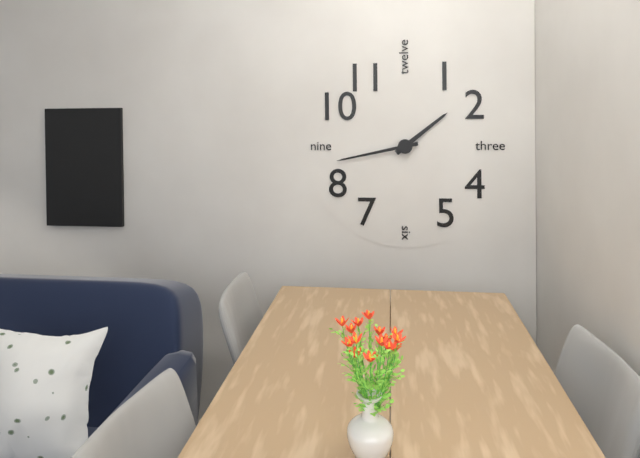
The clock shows 1:43
